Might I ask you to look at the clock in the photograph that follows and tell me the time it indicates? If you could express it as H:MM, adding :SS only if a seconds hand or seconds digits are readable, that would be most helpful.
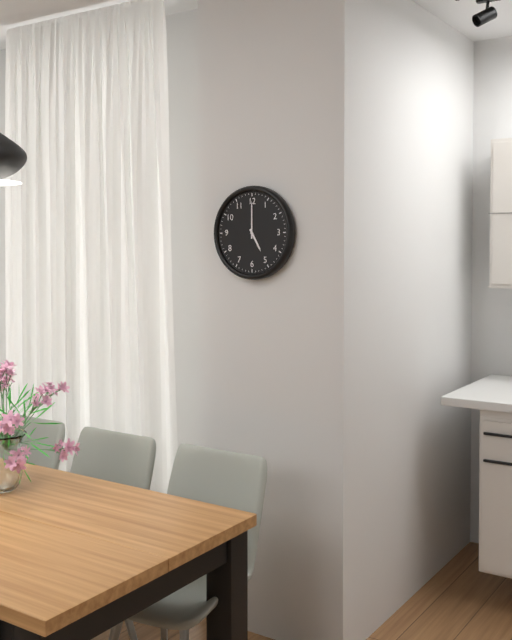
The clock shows 5:00
